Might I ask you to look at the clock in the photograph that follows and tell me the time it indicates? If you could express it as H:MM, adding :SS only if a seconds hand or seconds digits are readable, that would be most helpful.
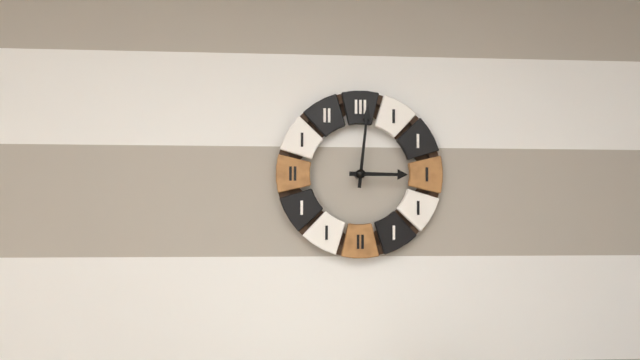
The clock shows 3:01
